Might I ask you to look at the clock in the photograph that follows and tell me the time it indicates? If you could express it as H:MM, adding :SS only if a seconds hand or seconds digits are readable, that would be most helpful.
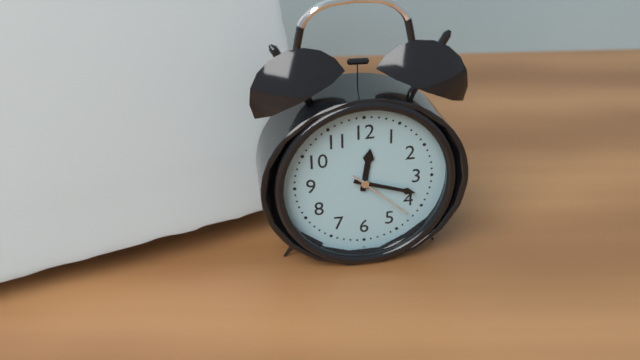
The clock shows 12:18:22
